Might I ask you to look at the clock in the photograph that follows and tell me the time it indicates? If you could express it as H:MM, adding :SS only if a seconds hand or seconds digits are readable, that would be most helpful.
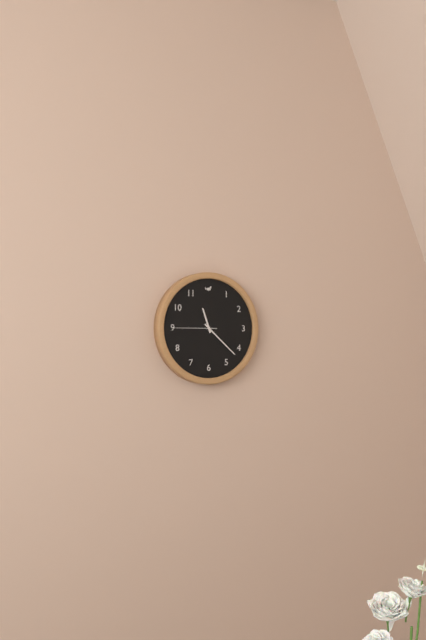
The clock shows 11:22
